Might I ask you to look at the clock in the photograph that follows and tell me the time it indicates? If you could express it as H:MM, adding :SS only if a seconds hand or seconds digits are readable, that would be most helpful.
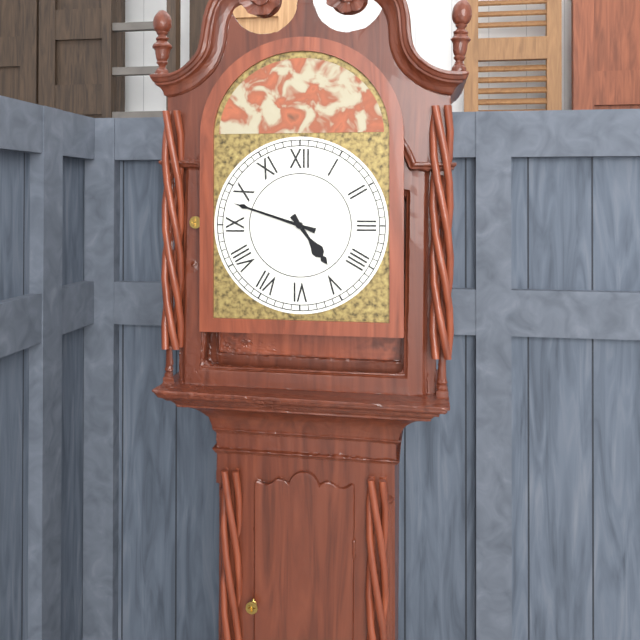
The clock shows 4:48
